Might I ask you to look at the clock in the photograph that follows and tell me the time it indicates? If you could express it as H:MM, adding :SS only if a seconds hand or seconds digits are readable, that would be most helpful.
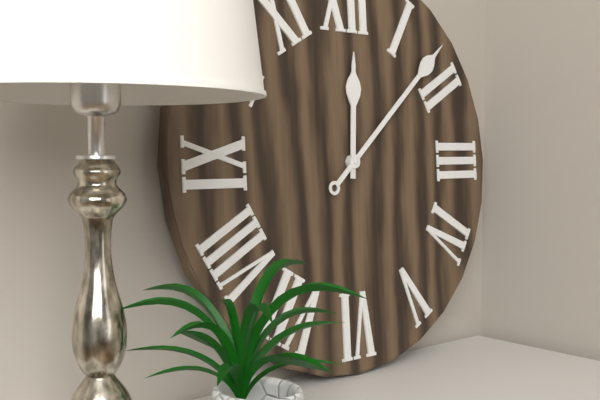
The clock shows 12:08
